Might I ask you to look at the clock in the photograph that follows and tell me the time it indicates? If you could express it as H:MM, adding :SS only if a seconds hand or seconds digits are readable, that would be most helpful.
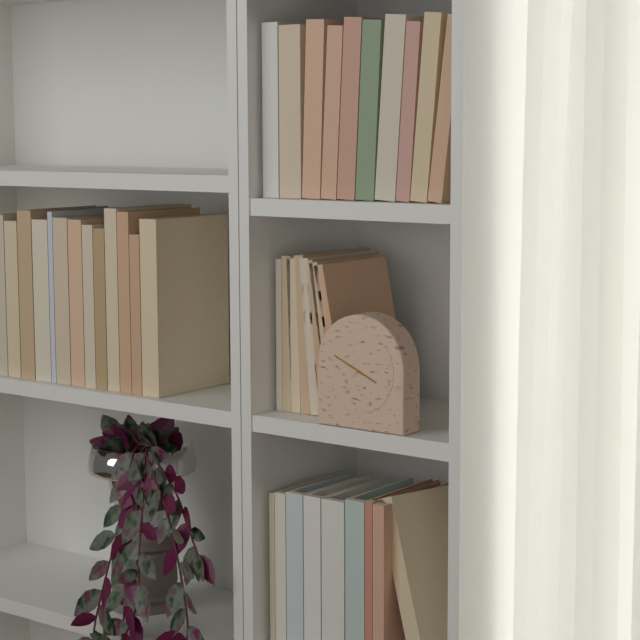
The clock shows 3:49
